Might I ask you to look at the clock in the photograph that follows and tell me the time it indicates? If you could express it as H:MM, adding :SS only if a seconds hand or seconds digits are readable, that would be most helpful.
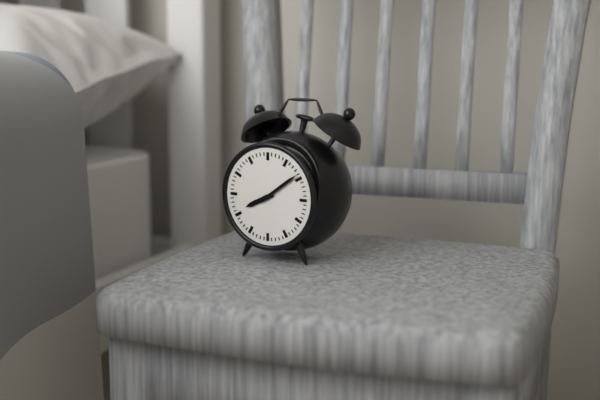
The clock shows 8:09
